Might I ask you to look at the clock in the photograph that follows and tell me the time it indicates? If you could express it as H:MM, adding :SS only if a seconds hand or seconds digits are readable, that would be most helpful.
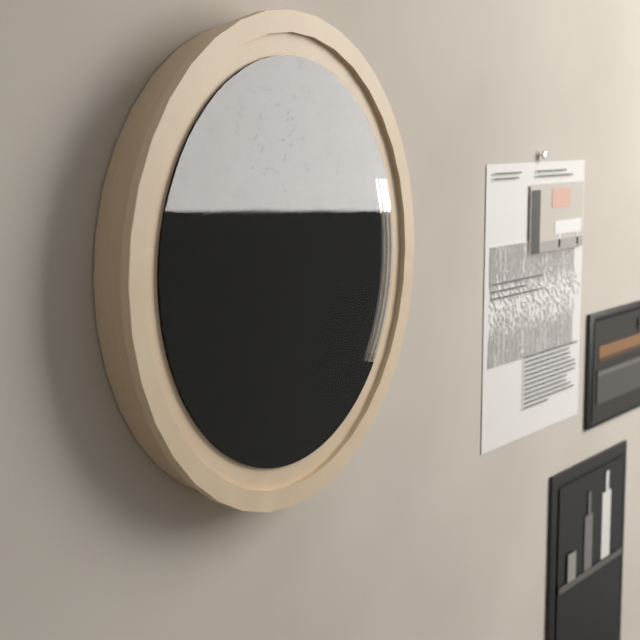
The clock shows 9:39
